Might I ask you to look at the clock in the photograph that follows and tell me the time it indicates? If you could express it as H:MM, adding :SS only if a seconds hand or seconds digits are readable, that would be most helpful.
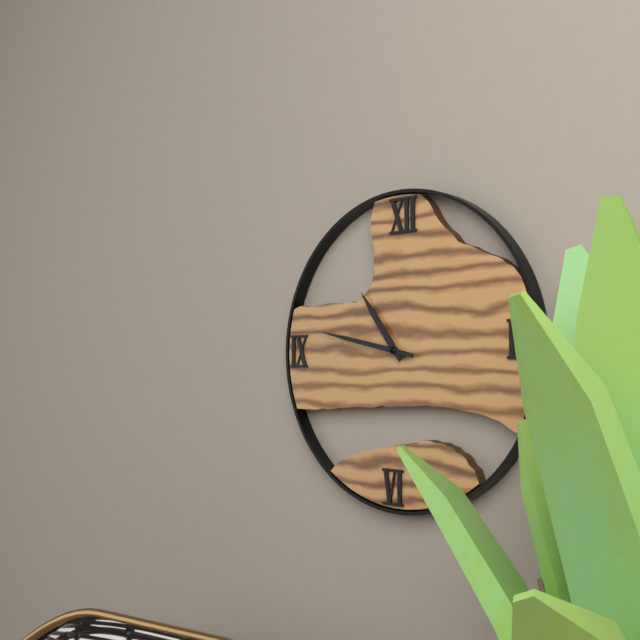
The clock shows 10:47
